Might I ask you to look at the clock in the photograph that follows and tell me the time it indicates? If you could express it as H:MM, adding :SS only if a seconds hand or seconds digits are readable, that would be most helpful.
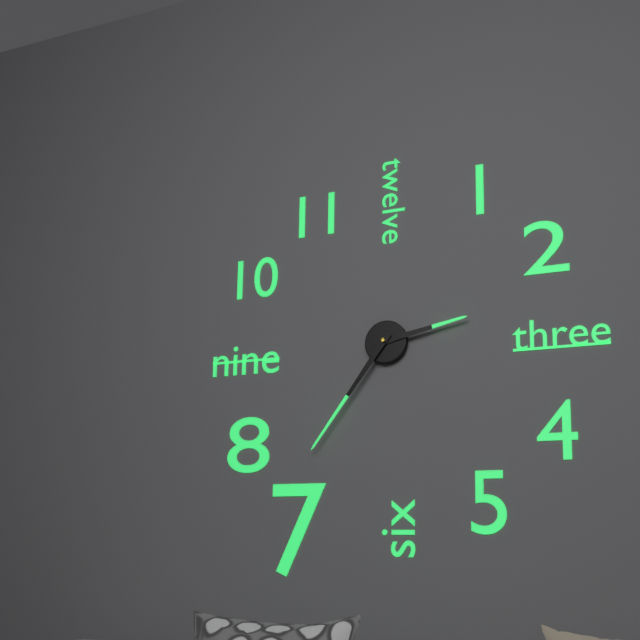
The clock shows 2:36
